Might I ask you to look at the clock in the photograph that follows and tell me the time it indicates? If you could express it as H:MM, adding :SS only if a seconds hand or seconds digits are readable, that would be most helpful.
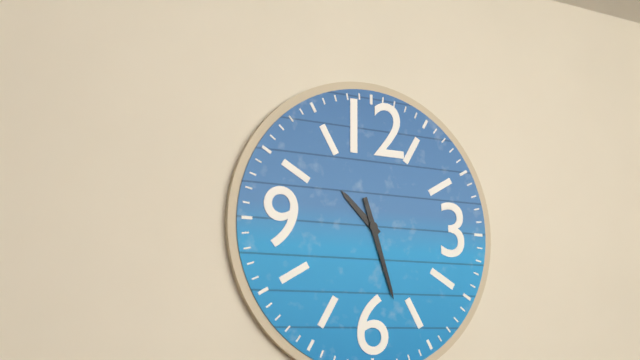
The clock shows 10:27
